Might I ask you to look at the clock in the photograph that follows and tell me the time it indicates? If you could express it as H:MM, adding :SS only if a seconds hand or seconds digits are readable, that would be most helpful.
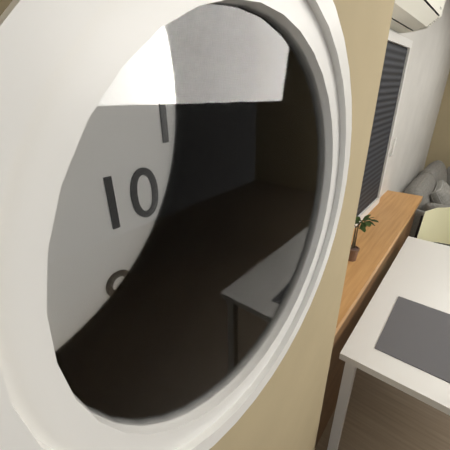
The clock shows 10:23
